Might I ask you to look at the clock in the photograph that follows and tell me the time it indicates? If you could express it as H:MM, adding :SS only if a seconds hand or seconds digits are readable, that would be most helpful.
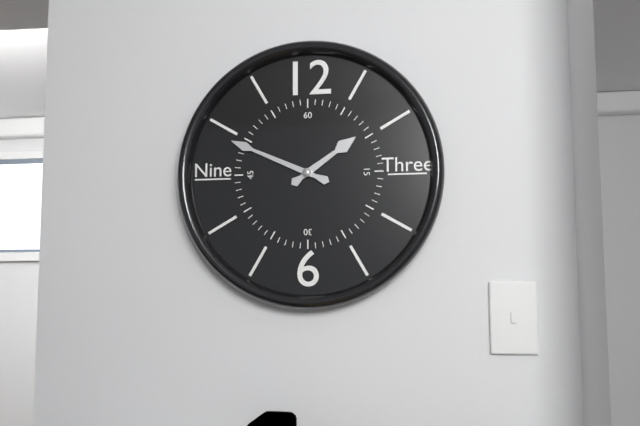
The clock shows 1:49
